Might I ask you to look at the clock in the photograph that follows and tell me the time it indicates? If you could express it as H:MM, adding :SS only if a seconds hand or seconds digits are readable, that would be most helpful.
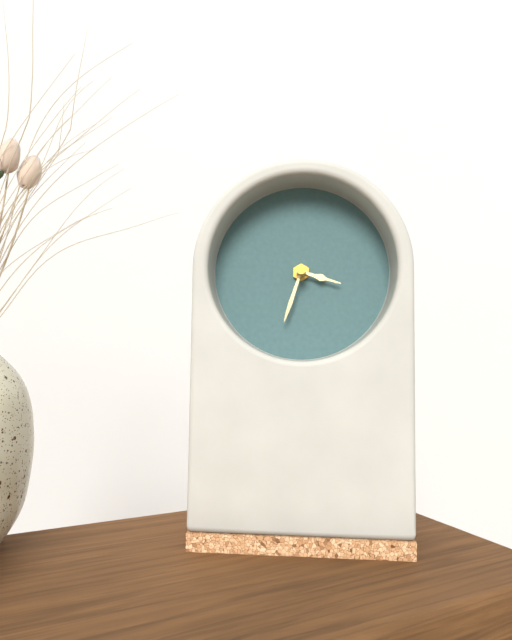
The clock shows 3:33
